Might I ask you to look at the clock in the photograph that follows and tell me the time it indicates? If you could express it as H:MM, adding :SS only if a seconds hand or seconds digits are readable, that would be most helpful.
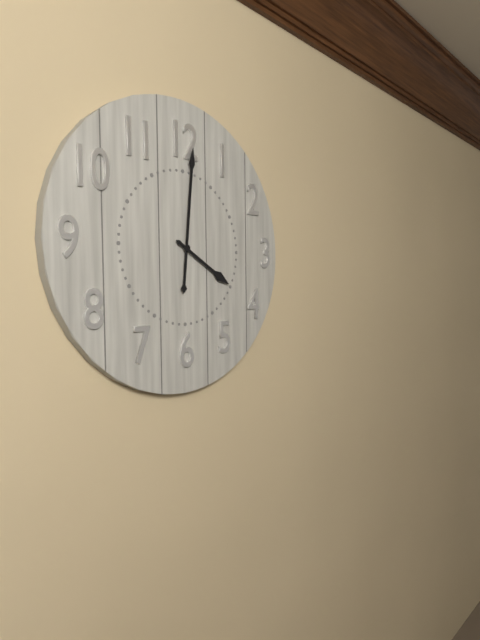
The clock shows 4:01
